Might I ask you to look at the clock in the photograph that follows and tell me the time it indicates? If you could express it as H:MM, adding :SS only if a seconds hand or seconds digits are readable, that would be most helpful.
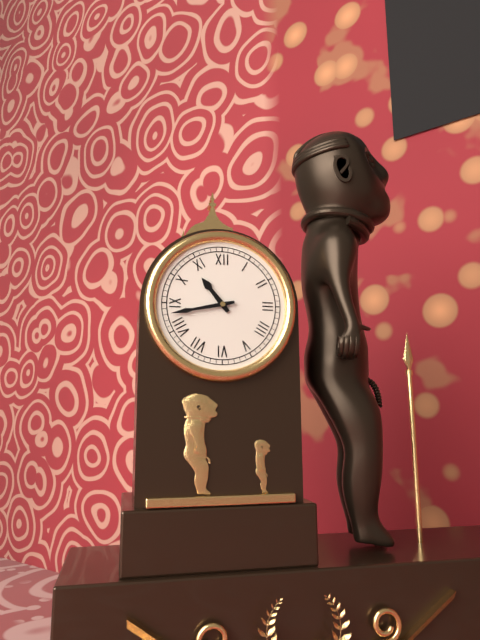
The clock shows 10:43
